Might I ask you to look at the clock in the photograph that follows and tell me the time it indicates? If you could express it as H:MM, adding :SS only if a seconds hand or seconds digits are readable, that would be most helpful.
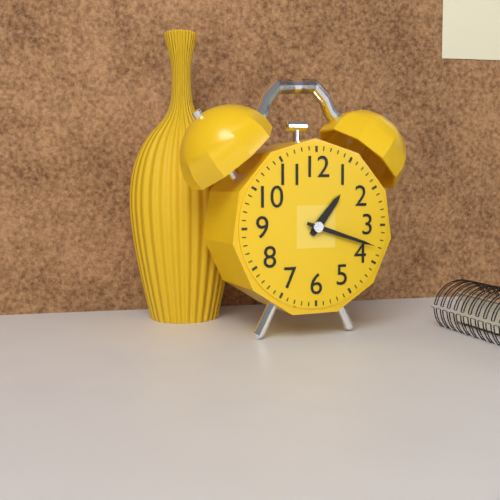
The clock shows 1:18
